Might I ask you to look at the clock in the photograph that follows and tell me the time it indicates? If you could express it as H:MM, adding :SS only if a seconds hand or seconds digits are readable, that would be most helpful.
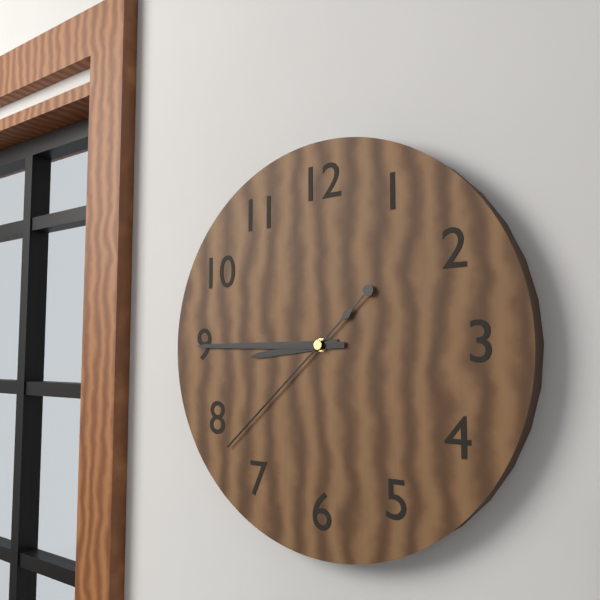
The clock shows 8:45:38
